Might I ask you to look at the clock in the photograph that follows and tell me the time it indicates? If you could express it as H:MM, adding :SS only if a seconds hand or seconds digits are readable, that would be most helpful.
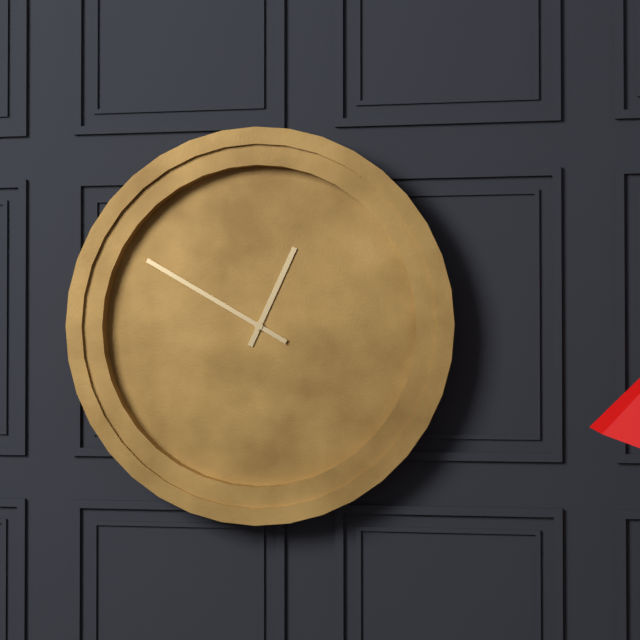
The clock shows 12:50
